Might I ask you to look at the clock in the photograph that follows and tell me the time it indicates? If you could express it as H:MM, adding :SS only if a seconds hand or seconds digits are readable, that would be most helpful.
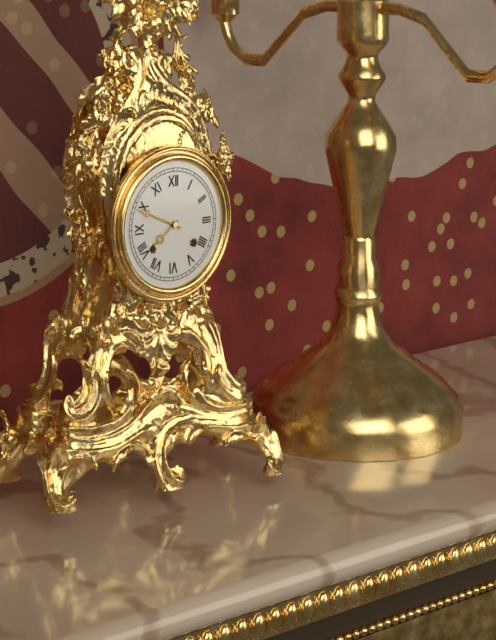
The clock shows 7:49
